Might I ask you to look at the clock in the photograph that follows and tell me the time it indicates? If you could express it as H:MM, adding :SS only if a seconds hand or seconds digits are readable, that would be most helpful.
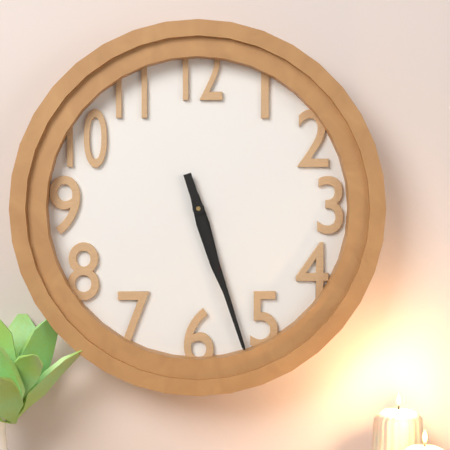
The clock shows 5:27
